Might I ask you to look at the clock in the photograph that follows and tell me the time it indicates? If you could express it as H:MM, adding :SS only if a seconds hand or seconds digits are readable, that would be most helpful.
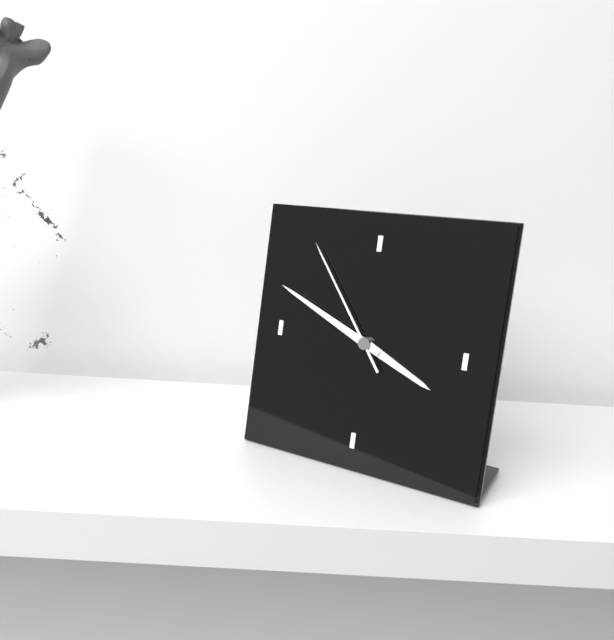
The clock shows 3:49:54
